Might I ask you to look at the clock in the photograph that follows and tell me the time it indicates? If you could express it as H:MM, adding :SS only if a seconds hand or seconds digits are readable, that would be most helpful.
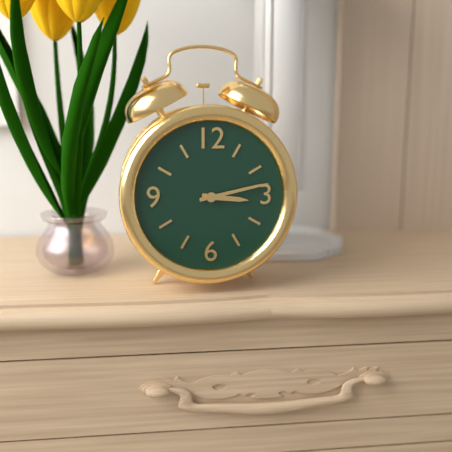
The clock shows 3:13
